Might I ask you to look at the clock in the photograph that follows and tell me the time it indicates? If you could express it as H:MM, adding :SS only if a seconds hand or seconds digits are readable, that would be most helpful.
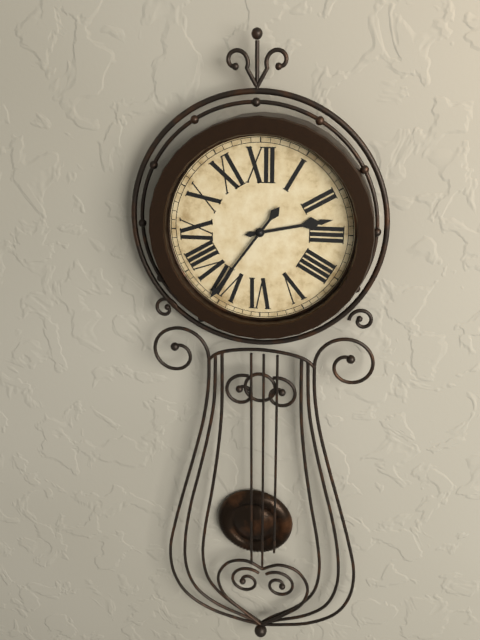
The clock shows 2:36
